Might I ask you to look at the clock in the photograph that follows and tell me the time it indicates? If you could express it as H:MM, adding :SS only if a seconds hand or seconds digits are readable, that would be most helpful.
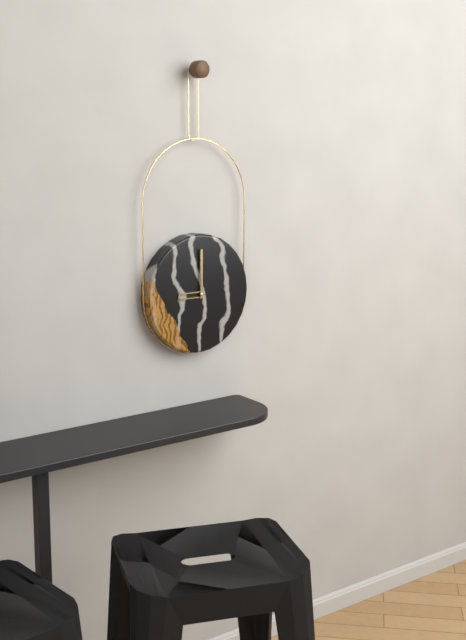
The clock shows 9:00
